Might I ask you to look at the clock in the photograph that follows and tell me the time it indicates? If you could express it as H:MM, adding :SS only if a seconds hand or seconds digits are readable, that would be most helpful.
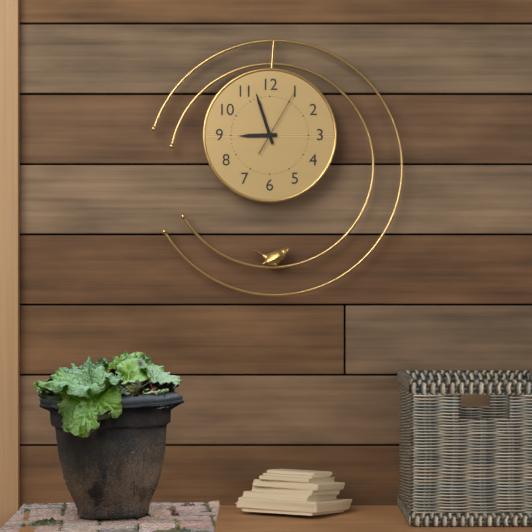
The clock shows 8:57:05
